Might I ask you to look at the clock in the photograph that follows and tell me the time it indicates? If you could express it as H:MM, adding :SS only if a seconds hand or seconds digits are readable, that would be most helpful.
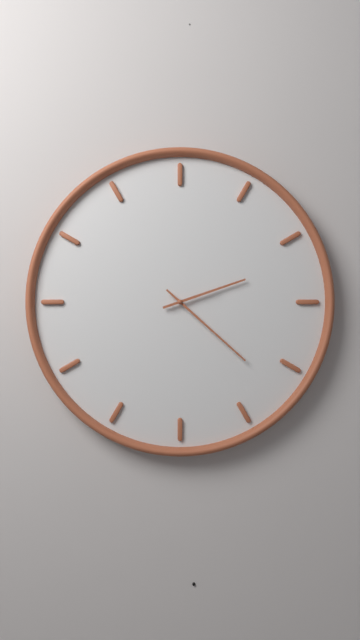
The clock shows 2:22
